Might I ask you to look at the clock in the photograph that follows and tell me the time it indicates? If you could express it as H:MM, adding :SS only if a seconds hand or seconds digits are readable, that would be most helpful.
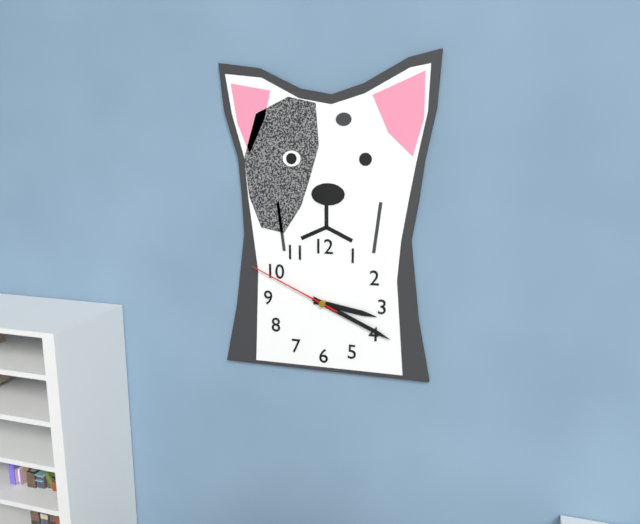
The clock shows 3:19:49
